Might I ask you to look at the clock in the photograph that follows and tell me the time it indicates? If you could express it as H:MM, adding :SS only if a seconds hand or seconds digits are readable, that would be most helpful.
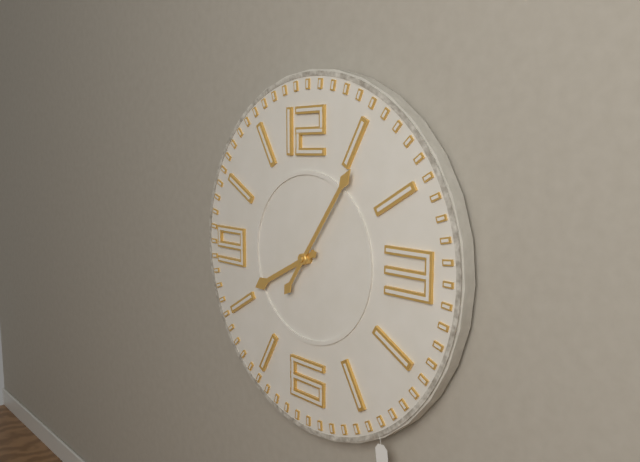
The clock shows 8:06
